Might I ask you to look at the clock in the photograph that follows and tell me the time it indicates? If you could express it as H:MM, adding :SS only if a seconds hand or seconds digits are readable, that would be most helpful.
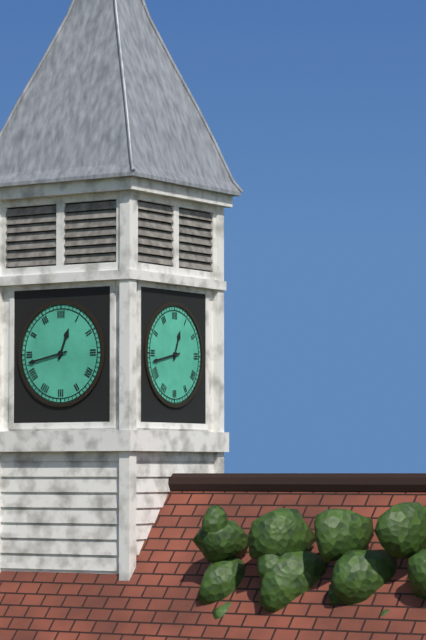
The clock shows 12:43
